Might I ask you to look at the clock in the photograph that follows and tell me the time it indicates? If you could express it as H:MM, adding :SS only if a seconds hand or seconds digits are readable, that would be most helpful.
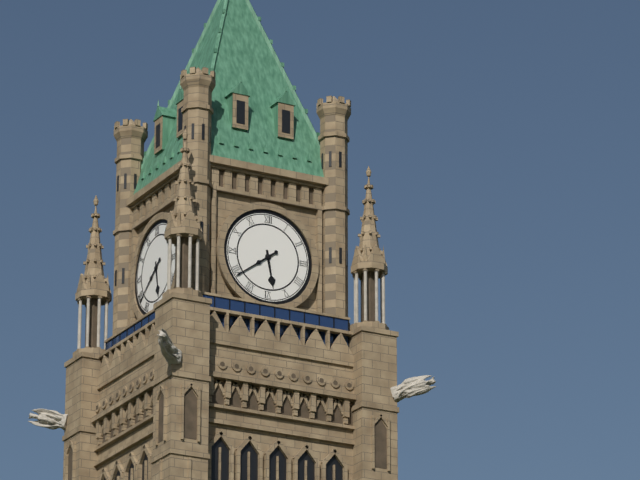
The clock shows 5:39
